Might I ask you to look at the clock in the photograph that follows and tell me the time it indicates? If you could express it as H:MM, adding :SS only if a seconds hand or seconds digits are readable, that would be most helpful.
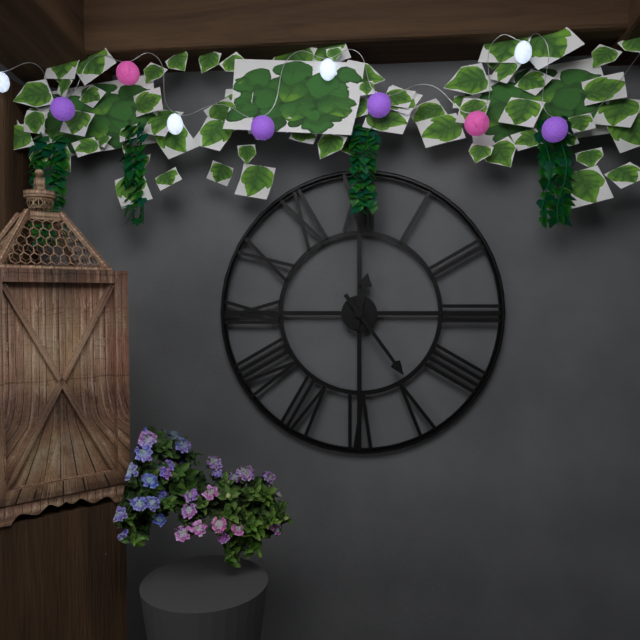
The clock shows 12:24
